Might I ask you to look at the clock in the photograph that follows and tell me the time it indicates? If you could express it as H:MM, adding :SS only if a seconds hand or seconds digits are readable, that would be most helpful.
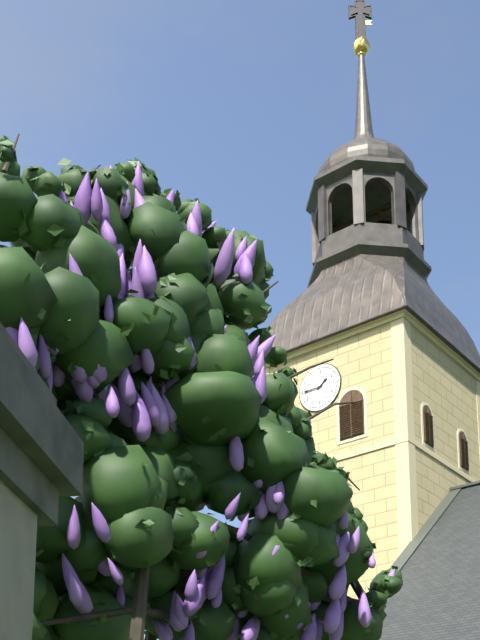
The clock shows 1:45
